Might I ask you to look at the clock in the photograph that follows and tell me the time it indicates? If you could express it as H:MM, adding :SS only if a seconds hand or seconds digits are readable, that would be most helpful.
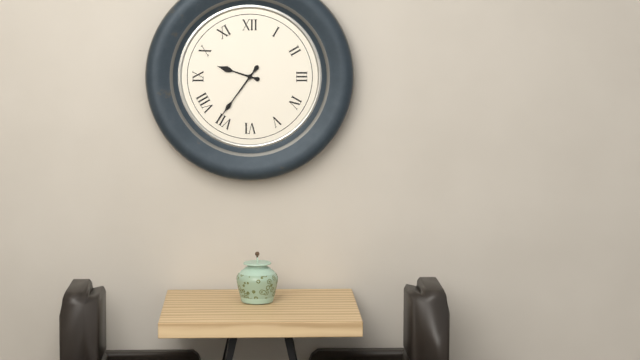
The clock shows 9:36
